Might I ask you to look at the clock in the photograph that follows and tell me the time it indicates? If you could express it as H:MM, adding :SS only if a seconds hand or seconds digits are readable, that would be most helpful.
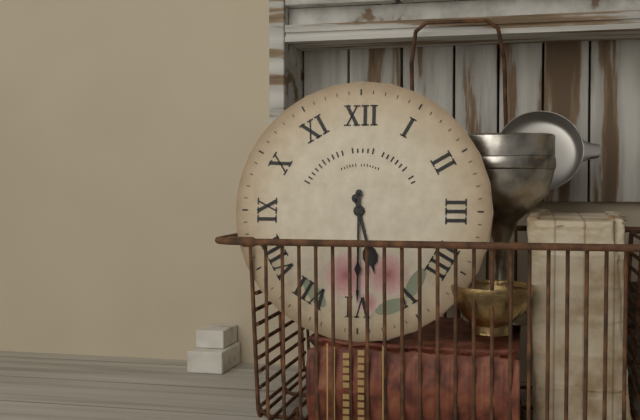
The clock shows 5:30
